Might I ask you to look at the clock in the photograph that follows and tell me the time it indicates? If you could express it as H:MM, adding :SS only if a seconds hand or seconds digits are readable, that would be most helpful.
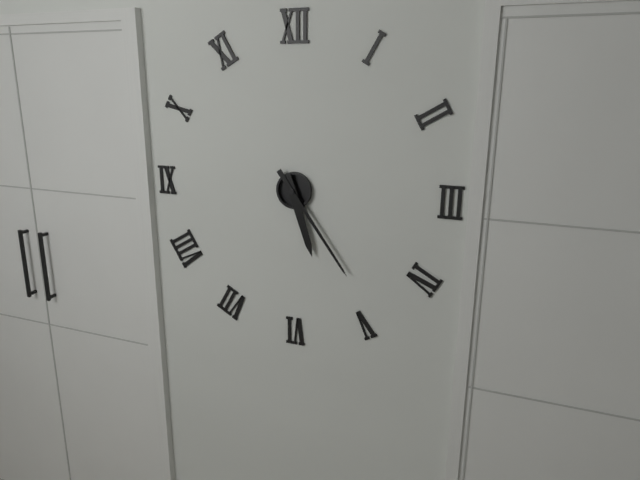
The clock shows 5:24
